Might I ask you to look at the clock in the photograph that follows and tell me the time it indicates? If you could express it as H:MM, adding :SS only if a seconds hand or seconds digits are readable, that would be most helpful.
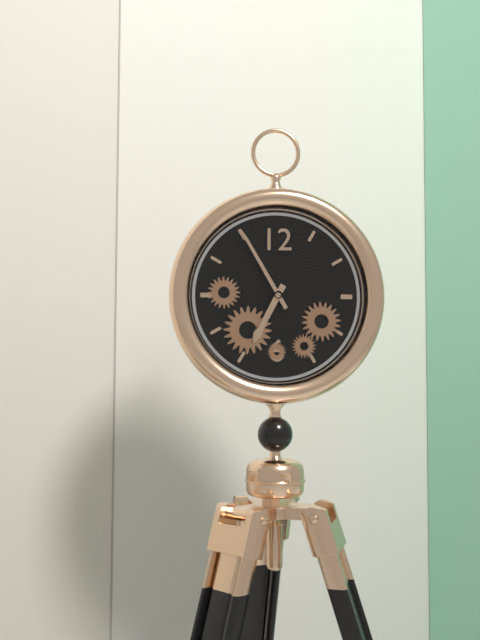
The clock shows 6:55
